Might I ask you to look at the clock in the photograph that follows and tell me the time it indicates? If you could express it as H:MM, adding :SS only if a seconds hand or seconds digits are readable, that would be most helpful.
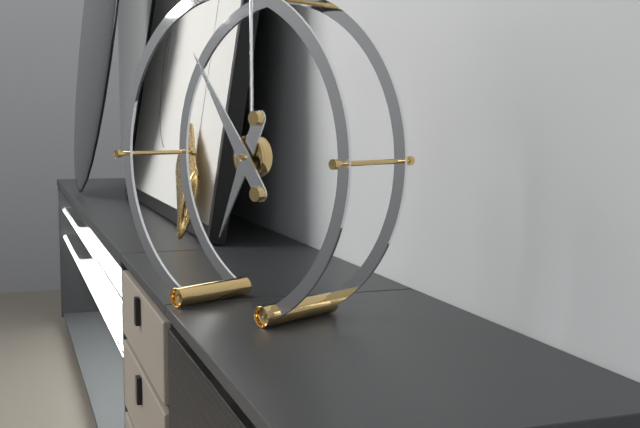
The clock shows 6:54
